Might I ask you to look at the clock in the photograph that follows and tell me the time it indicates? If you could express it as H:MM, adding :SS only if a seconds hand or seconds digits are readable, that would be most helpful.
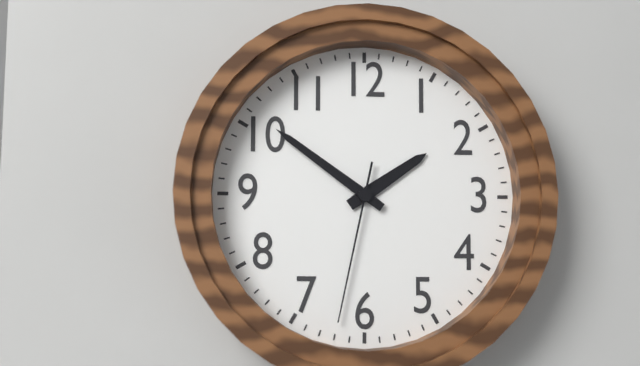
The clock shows 1:51:32
